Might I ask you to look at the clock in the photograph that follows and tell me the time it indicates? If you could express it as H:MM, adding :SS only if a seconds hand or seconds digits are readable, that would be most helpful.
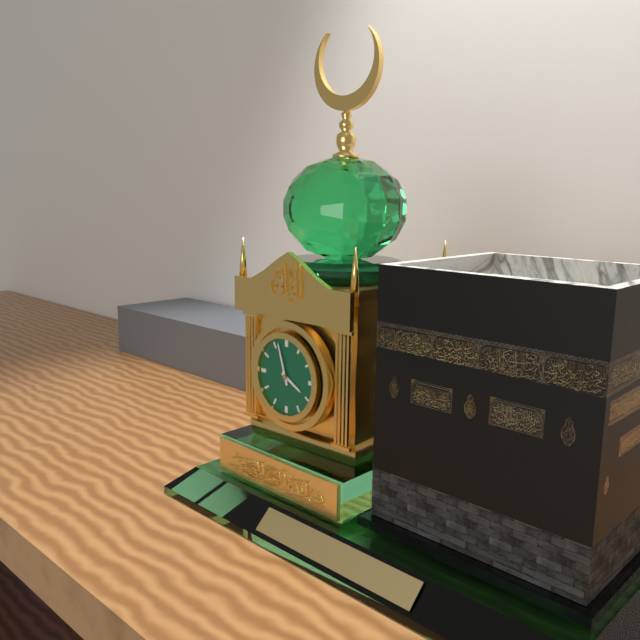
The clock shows 3:57
